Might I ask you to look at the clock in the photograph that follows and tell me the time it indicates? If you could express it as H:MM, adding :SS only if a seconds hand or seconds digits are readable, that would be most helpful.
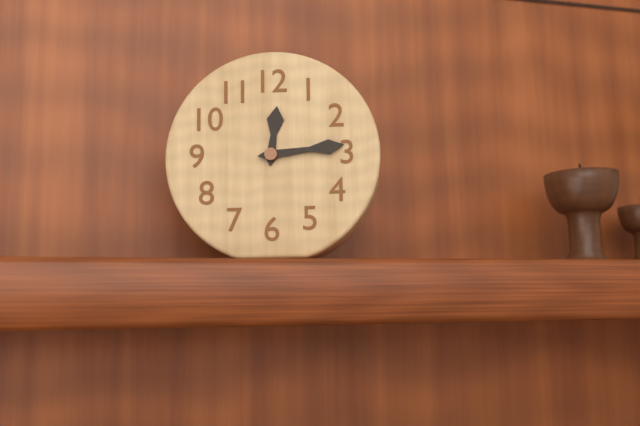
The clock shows 12:14
